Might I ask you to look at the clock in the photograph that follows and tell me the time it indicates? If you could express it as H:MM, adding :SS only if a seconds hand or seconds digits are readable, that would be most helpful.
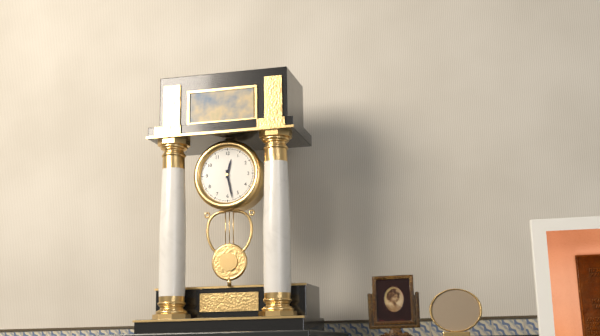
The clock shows 12:28
